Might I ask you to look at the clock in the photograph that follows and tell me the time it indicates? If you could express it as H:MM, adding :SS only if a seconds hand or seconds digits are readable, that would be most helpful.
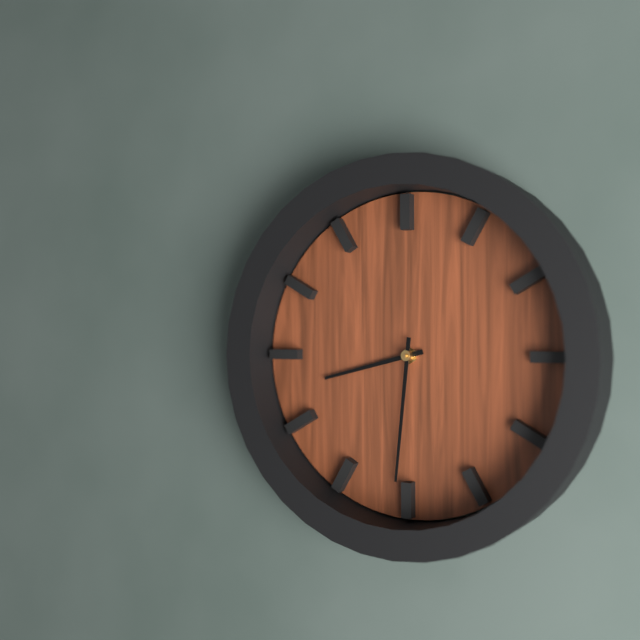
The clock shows 8:31
